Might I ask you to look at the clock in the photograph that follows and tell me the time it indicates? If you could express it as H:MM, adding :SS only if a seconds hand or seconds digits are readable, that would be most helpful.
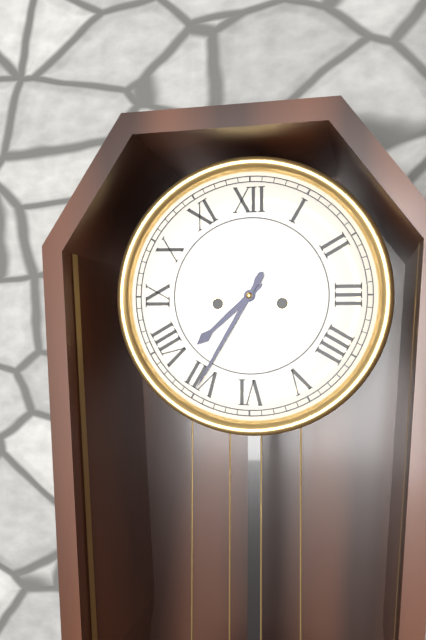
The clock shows 7:35
